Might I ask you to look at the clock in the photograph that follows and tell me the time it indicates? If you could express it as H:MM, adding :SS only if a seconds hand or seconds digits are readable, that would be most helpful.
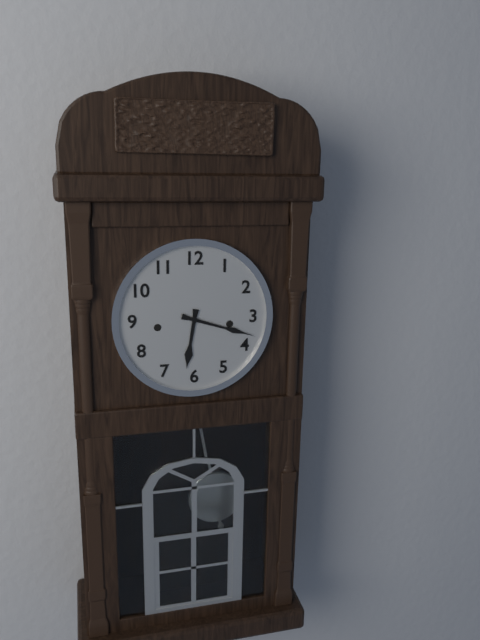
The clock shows 6:18
